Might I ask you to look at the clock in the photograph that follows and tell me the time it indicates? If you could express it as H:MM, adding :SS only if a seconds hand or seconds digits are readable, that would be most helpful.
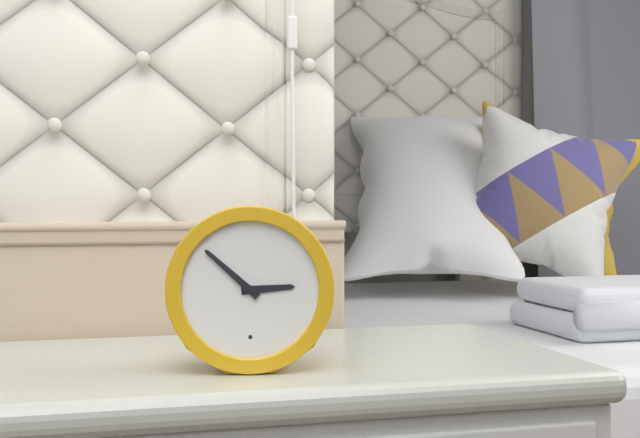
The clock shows 2:52
